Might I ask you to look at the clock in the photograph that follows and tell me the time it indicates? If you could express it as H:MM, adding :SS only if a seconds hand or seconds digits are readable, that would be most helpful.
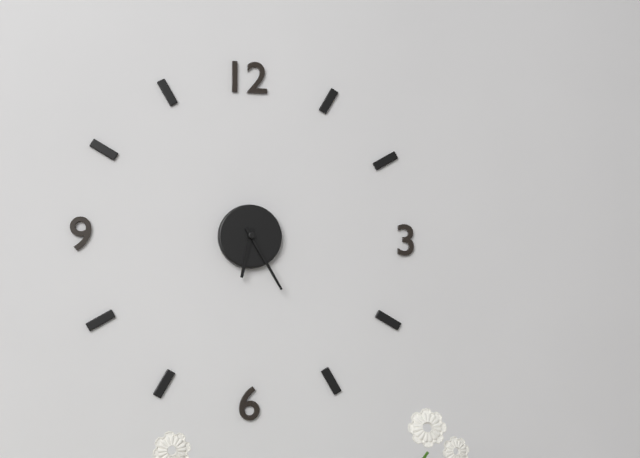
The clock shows 6:25
